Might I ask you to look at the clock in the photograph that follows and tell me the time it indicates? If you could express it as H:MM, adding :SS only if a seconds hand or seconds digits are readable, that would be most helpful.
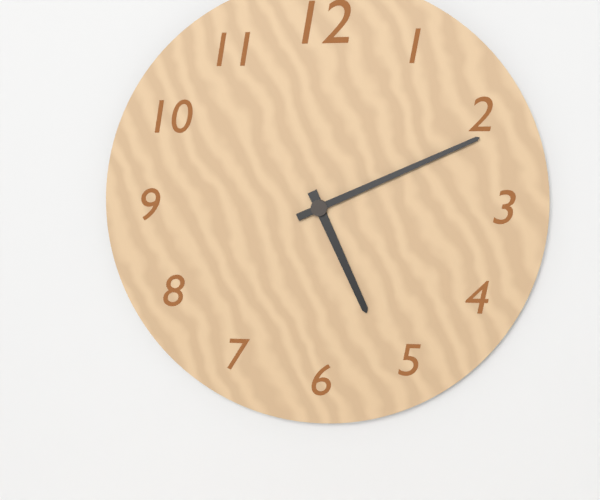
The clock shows 5:11
